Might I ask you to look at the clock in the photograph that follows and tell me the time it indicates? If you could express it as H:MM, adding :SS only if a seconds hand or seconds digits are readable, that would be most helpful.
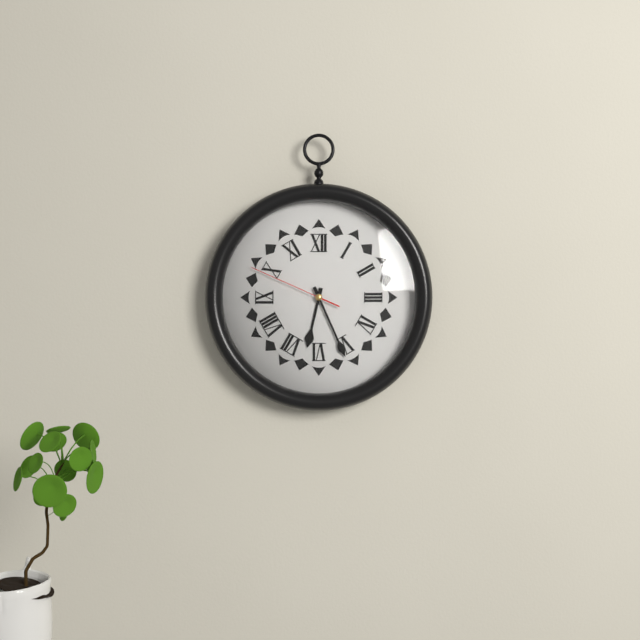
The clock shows 6:26:49
